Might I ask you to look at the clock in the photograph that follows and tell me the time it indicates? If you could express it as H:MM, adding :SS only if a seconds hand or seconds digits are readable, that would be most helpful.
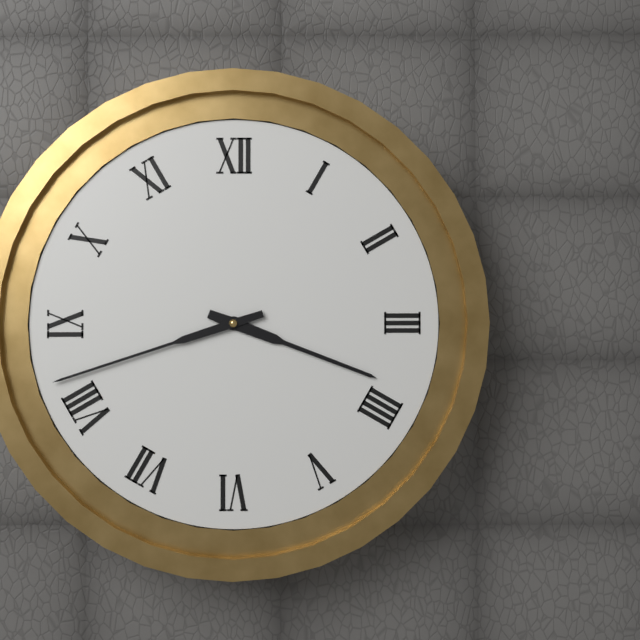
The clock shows 3:42
